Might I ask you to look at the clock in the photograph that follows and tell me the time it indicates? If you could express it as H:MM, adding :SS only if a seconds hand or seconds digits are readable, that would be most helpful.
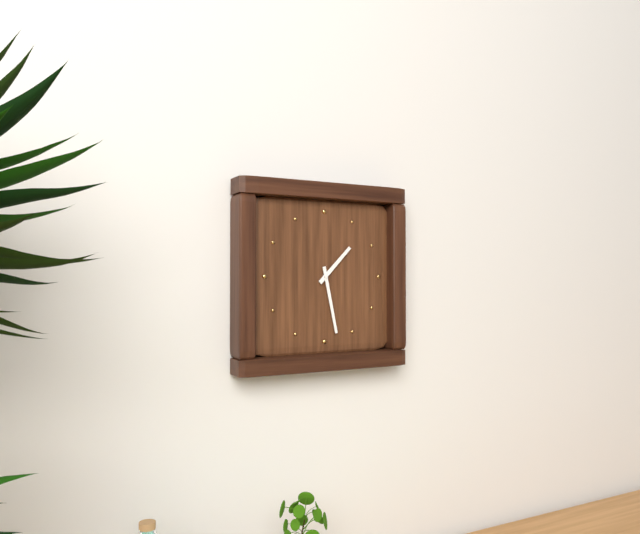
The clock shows 1:28
